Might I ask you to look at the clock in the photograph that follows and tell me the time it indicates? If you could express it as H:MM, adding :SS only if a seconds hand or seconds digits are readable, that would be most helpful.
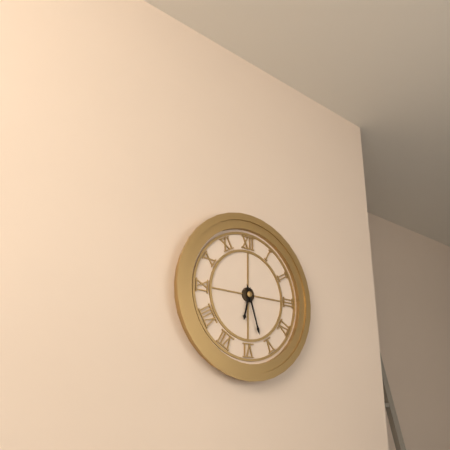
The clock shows 6:27
